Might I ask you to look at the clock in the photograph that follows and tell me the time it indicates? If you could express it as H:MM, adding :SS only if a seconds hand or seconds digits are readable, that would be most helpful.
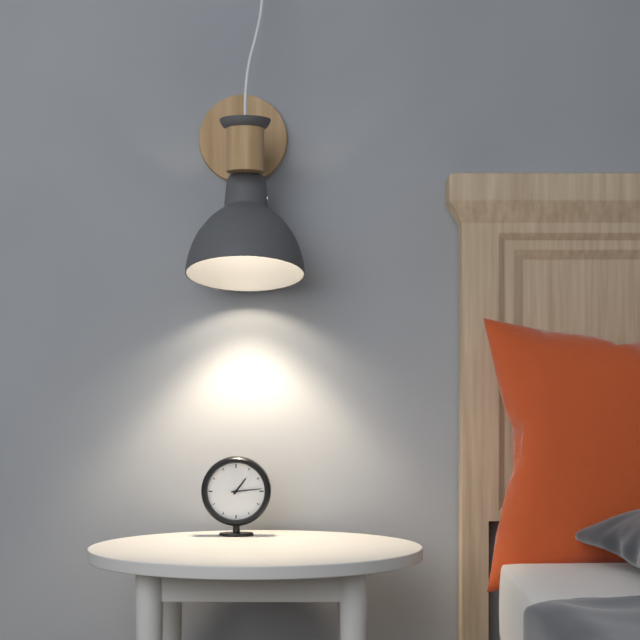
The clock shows 1:14
